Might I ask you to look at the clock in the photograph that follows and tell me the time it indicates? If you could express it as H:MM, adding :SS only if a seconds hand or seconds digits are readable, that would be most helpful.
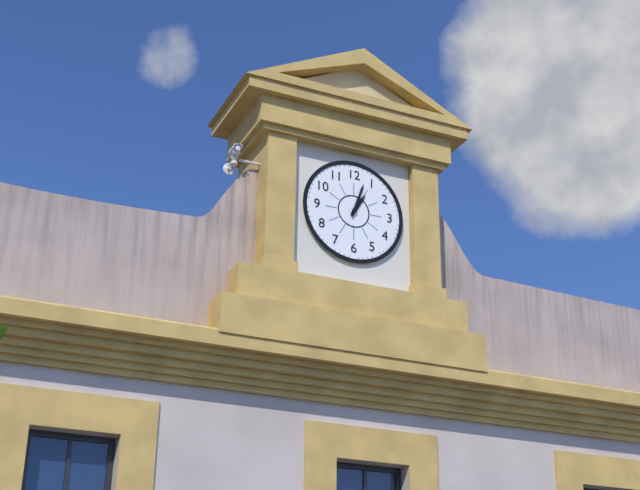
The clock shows 1:03
